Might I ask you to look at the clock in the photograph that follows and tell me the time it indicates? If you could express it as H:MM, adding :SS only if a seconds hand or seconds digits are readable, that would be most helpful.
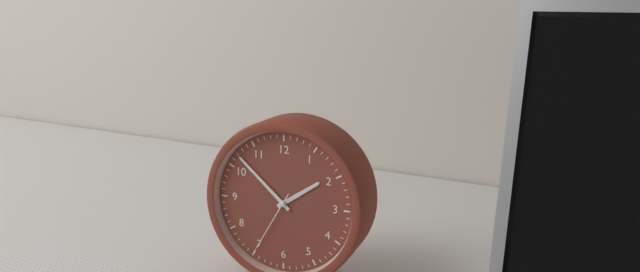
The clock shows 1:52:35
